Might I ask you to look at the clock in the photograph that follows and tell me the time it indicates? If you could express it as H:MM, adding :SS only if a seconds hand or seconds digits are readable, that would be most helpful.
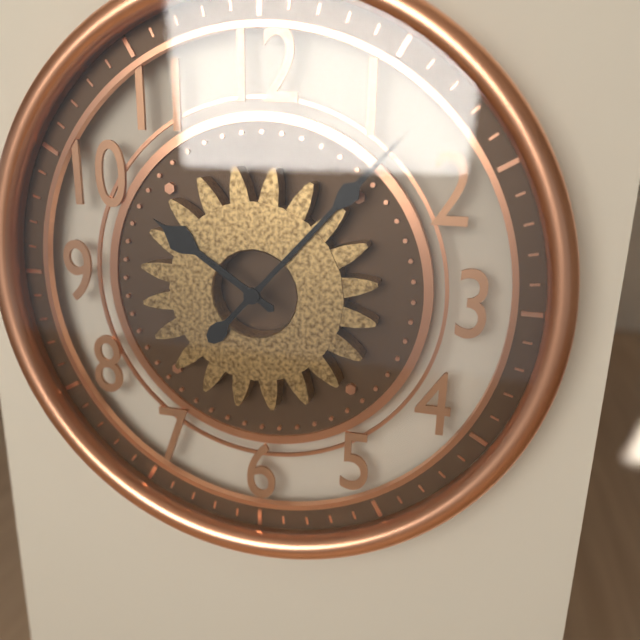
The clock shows 10:07
